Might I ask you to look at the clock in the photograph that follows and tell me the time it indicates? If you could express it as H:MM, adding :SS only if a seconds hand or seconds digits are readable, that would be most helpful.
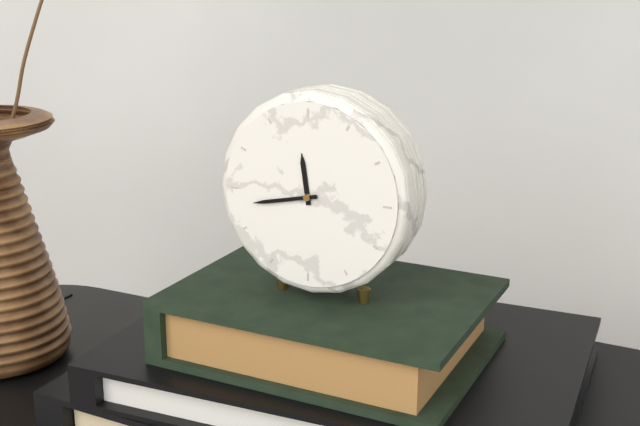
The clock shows 11:43
